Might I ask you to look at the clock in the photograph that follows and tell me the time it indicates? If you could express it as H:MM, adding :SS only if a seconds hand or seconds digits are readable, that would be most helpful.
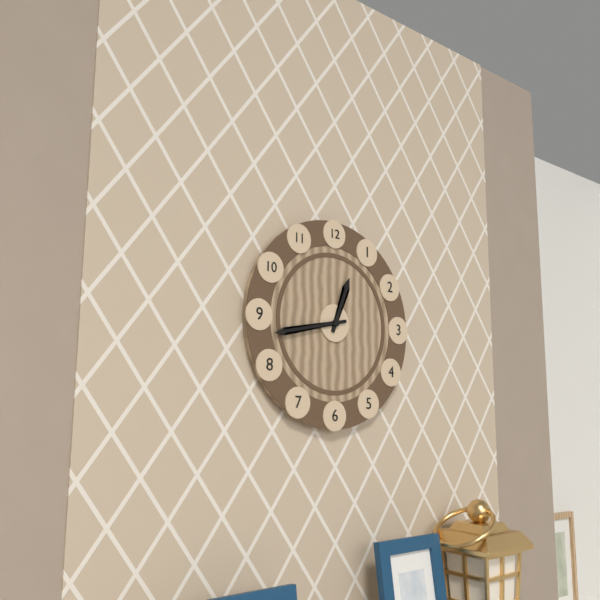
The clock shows 12:43
